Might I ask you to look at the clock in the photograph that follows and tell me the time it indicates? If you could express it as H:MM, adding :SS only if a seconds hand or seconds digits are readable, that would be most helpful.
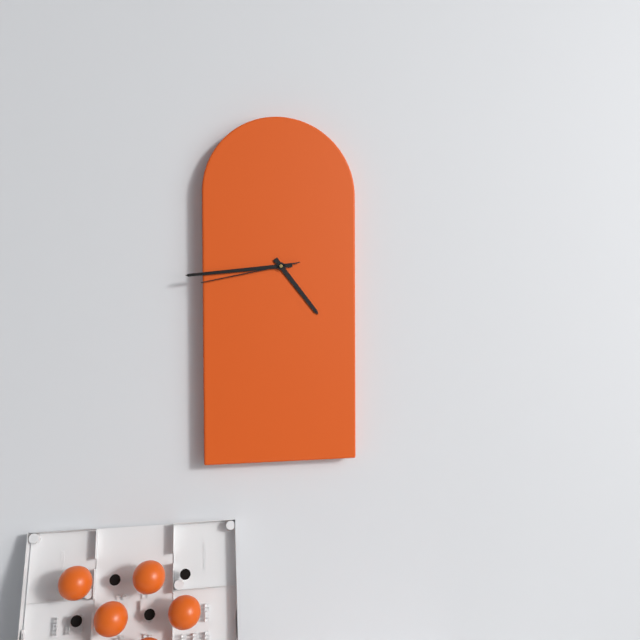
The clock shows 4:44:43
